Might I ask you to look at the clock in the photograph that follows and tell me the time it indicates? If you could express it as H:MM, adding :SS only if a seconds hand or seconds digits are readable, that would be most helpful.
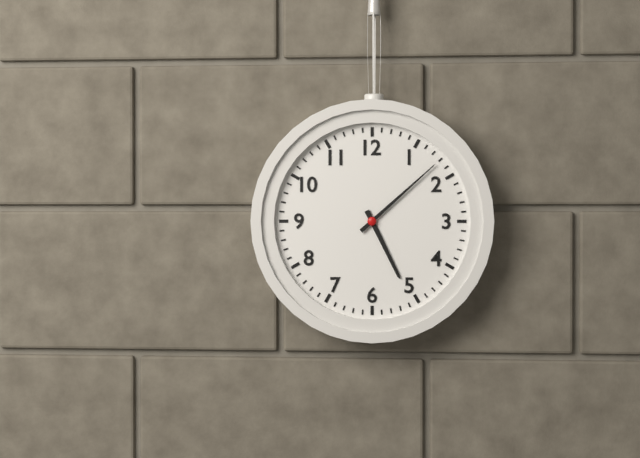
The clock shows 5:08
